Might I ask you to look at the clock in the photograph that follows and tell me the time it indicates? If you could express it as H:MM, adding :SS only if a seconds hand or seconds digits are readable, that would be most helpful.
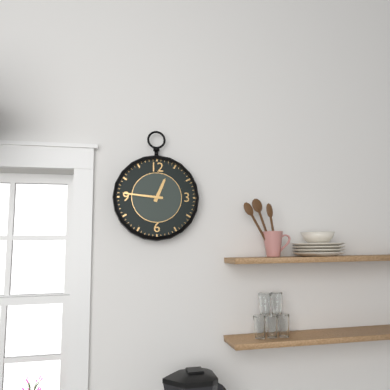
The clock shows 12:46
